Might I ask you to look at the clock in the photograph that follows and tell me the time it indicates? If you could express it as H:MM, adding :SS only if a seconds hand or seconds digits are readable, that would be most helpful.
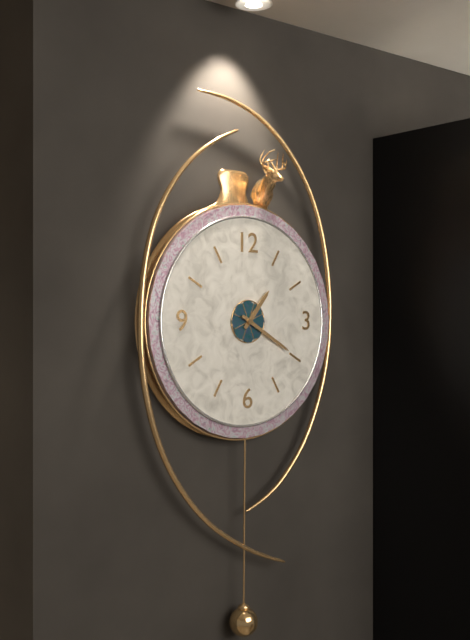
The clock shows 1:20
